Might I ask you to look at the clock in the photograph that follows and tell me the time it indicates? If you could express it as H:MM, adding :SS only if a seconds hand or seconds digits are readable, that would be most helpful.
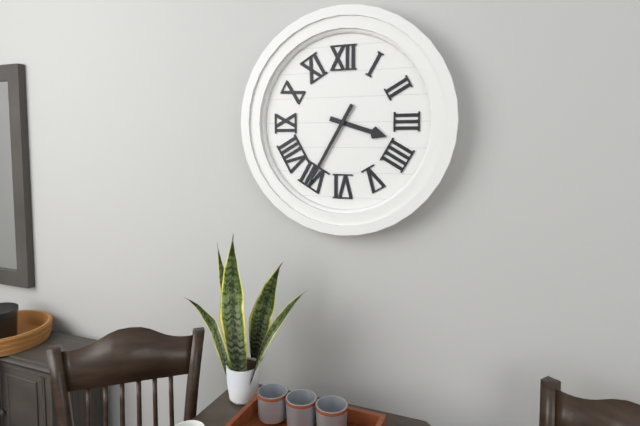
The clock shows 3:35
